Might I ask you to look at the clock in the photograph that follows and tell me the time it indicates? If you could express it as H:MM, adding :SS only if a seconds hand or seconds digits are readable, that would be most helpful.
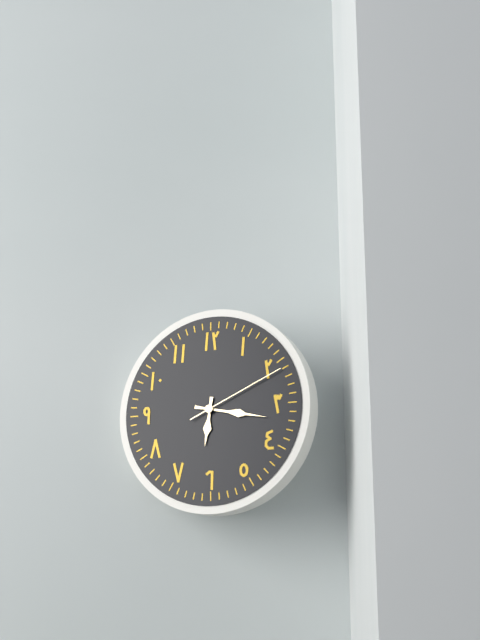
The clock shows 6:17:11
